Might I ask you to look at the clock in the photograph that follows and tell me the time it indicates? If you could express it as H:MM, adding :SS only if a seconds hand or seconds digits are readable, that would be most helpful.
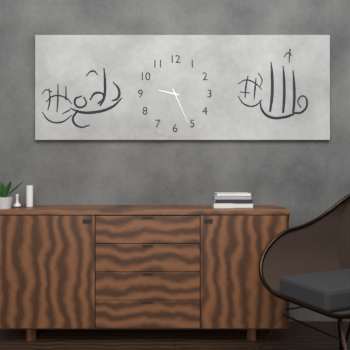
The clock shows 9:26
